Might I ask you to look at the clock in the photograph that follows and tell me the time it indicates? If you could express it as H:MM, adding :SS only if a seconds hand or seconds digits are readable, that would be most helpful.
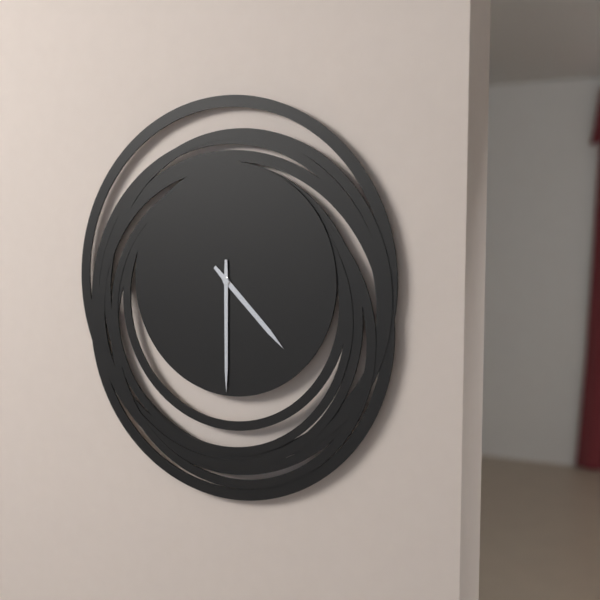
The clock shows 4:30
